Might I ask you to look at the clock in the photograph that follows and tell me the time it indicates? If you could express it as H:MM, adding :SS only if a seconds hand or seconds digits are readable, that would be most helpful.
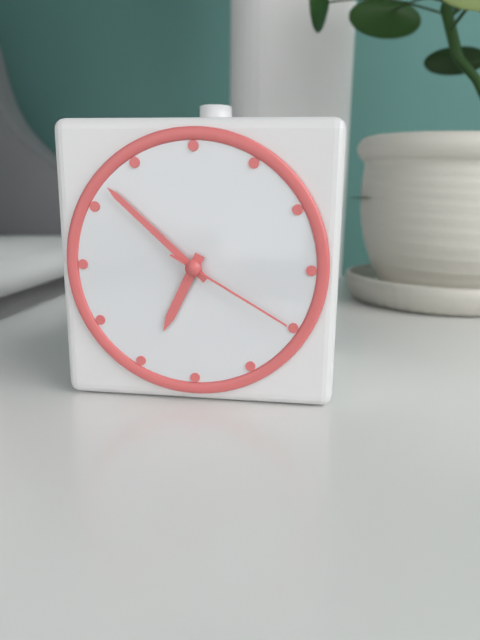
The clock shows 6:52:20
